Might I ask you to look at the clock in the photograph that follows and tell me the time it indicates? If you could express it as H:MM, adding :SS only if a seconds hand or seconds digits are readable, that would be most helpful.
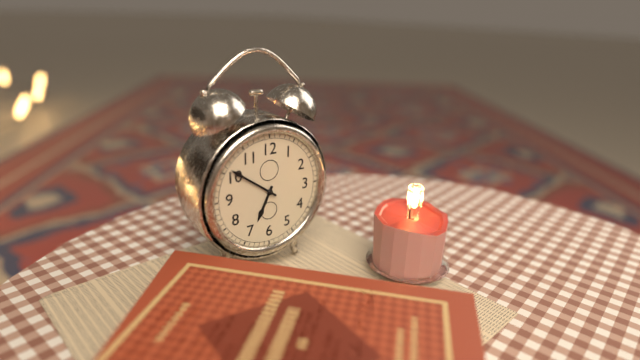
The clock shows 6:51
